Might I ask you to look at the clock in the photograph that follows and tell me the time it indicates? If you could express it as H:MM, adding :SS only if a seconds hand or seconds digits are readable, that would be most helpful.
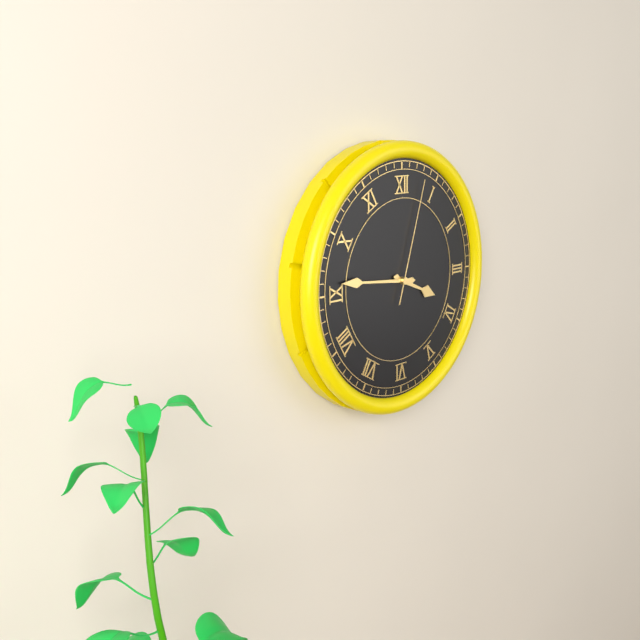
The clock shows 3:46:03
